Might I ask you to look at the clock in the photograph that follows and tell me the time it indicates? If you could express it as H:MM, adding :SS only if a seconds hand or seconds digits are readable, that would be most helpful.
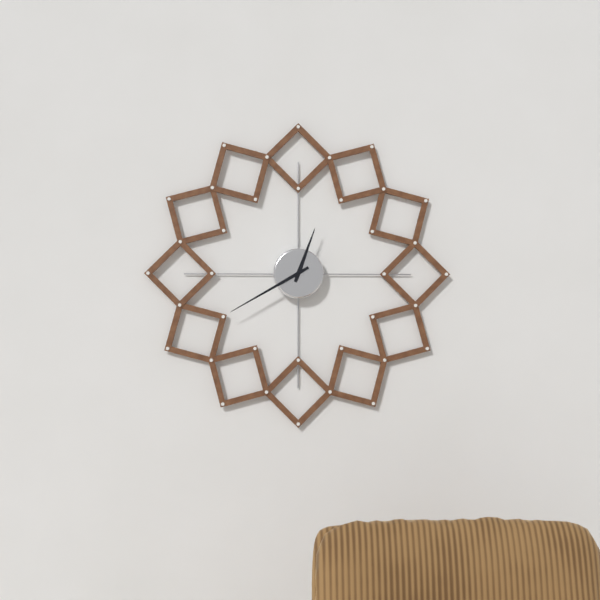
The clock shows 12:40
